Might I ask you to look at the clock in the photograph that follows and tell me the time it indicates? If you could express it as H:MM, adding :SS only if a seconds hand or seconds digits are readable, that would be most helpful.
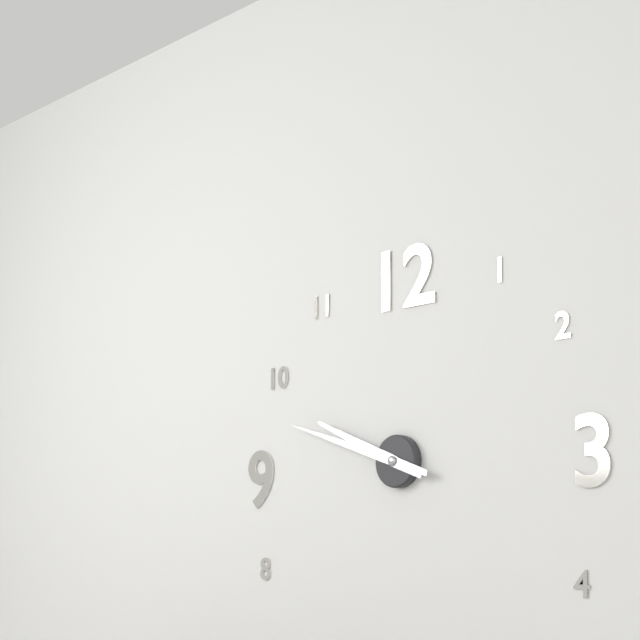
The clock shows 9:48
